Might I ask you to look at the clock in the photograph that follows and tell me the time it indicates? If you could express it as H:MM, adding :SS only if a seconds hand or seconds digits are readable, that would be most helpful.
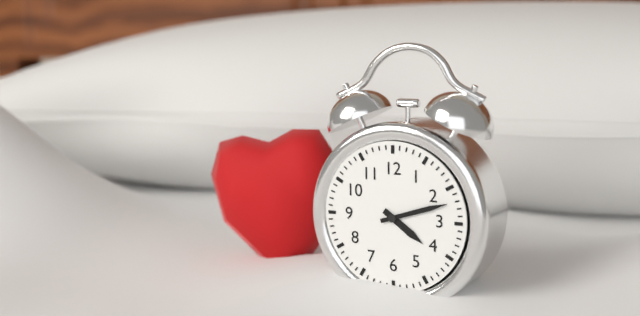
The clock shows 4:12
